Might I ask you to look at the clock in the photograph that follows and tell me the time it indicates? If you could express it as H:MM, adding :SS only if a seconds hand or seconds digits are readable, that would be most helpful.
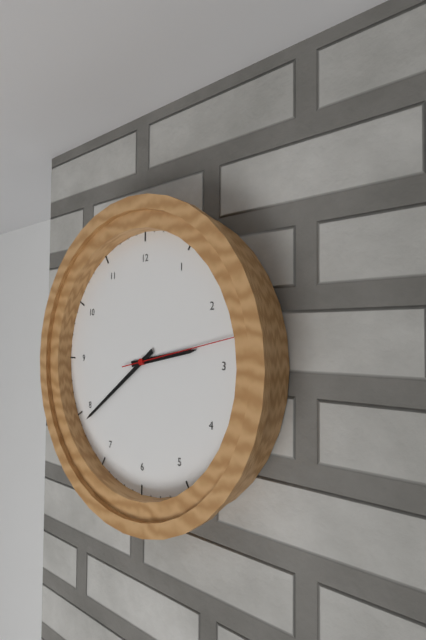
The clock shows 2:39:13
